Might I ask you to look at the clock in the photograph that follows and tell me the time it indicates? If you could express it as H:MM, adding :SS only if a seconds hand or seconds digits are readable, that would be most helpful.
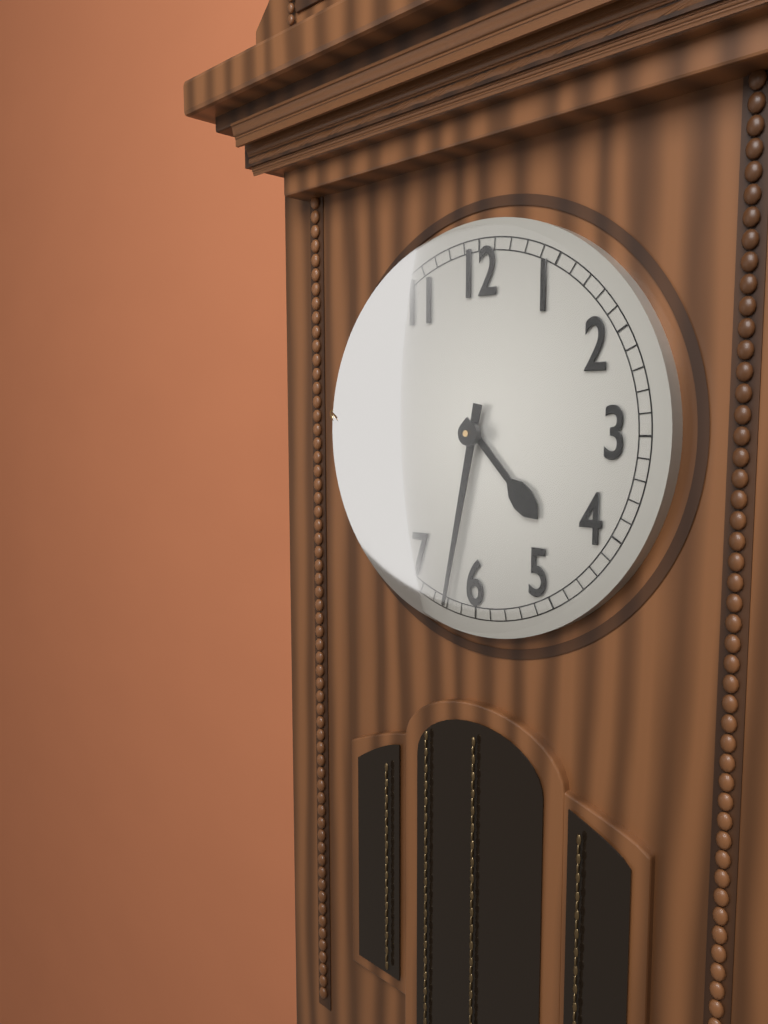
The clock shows 4:32
